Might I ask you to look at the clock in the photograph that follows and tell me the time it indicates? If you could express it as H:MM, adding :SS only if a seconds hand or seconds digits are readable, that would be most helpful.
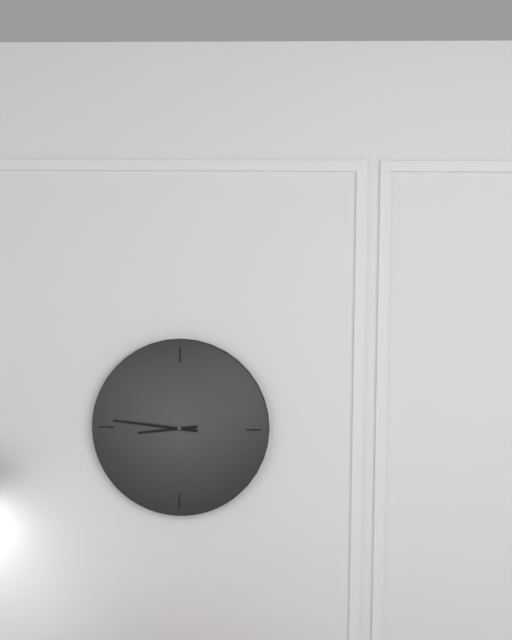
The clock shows 8:46
